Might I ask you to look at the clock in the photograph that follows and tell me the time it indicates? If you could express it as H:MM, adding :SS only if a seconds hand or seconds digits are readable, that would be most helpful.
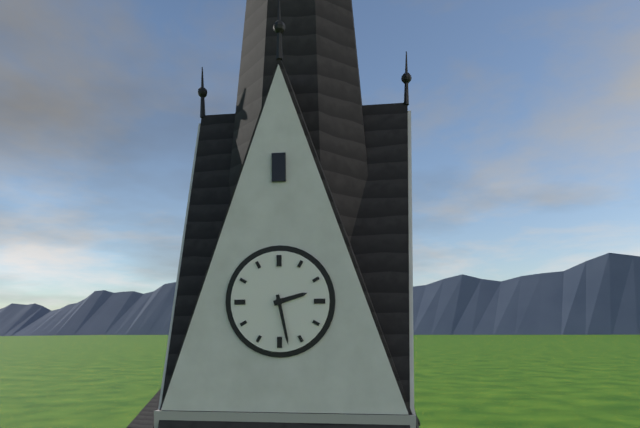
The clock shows 2:28
